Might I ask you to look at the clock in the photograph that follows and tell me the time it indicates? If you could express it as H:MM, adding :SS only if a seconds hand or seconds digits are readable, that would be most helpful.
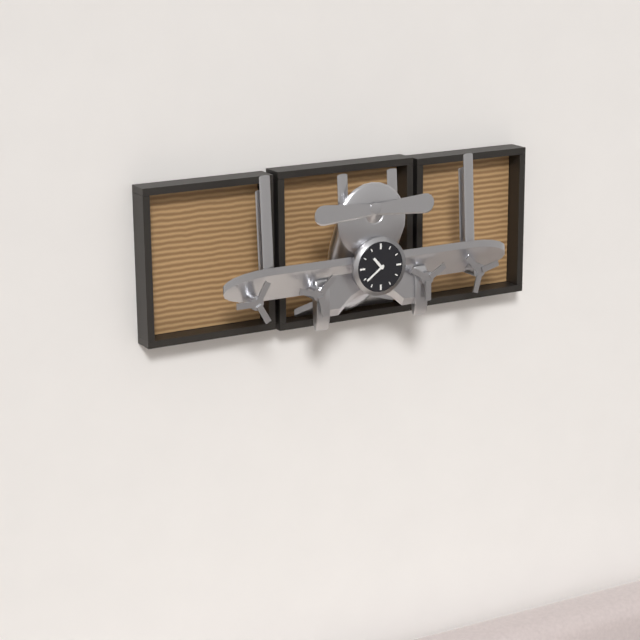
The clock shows 10:39
